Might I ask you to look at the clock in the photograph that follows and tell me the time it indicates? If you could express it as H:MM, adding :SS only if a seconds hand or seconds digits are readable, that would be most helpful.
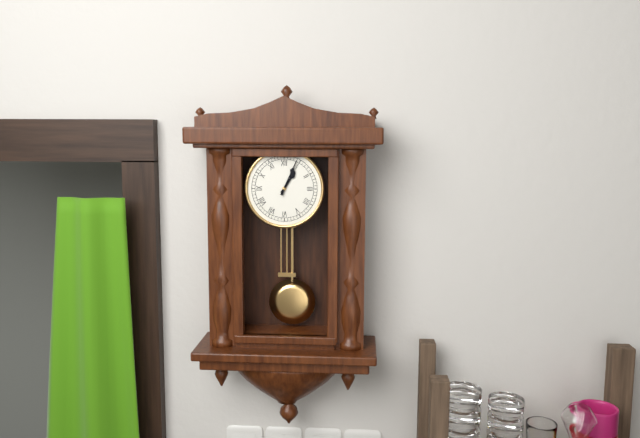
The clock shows 1:04
